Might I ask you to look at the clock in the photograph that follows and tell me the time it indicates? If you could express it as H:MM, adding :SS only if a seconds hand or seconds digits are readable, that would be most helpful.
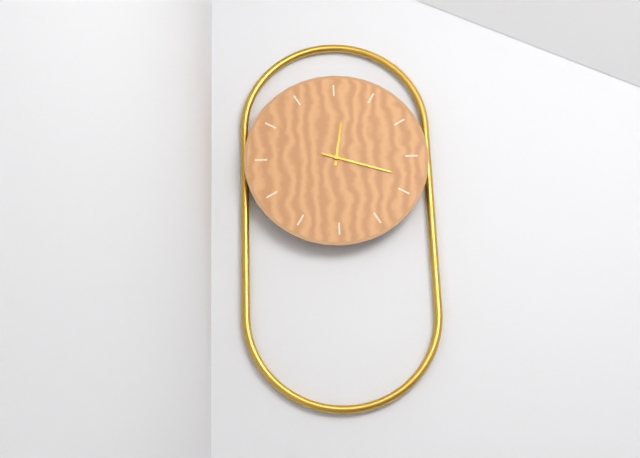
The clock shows 12:18
